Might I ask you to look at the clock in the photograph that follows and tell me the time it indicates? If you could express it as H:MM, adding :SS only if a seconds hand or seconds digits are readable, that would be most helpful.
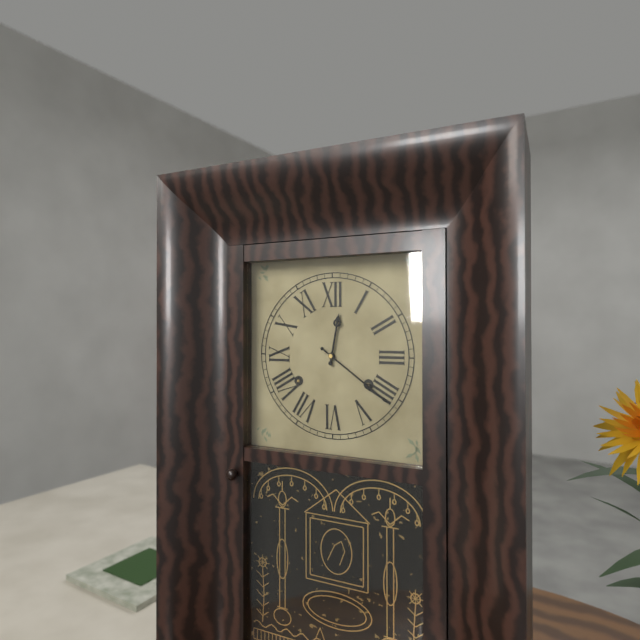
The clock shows 12:21
